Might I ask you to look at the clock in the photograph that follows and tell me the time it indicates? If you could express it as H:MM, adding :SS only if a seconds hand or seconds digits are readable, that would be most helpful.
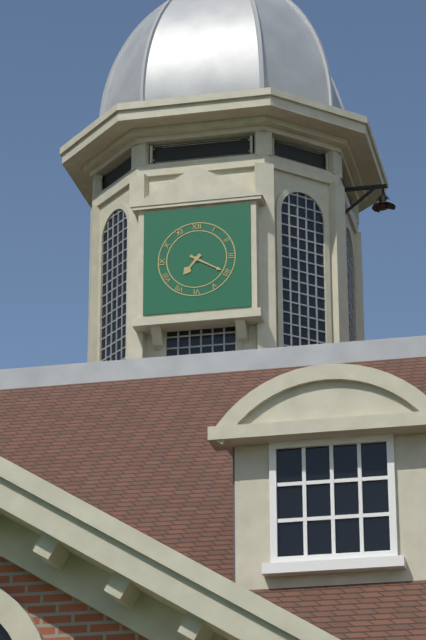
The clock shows 7:20
